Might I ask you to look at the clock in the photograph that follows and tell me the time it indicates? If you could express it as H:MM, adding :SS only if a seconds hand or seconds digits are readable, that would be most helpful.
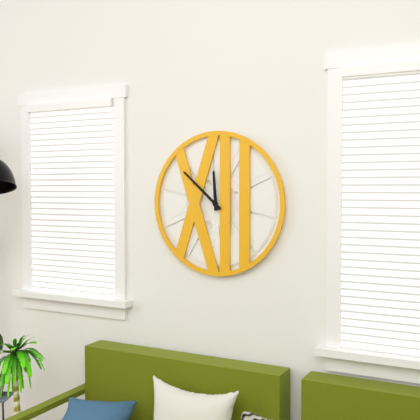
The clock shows 11:52
